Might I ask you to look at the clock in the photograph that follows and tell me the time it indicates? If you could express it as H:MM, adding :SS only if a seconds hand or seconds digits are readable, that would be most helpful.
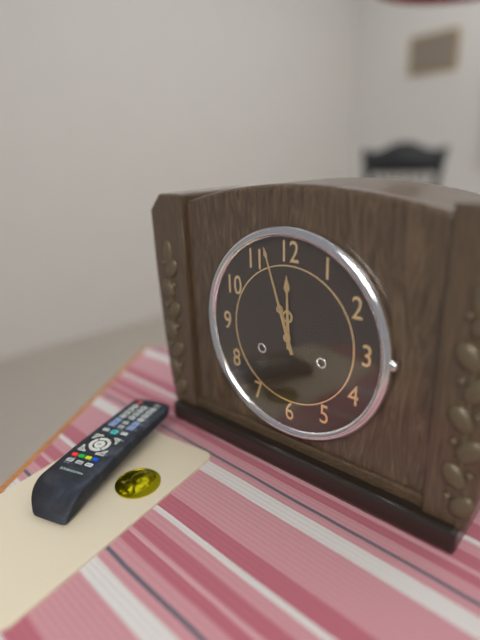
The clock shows 11:57
